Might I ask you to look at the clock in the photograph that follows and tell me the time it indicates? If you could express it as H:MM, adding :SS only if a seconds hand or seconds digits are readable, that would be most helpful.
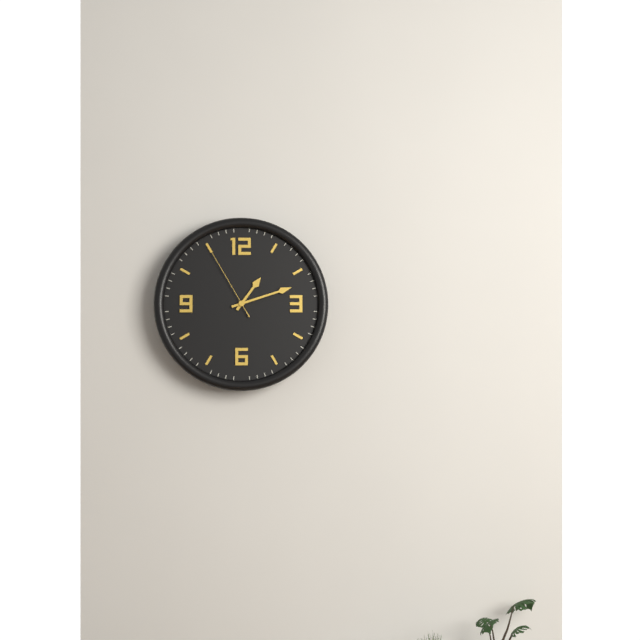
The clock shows 1:12:55
